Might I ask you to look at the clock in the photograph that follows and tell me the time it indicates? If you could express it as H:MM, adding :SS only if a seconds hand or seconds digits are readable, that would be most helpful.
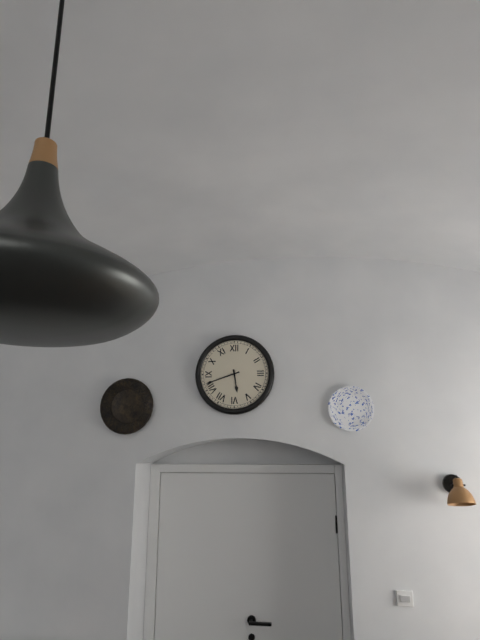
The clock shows 5:42
